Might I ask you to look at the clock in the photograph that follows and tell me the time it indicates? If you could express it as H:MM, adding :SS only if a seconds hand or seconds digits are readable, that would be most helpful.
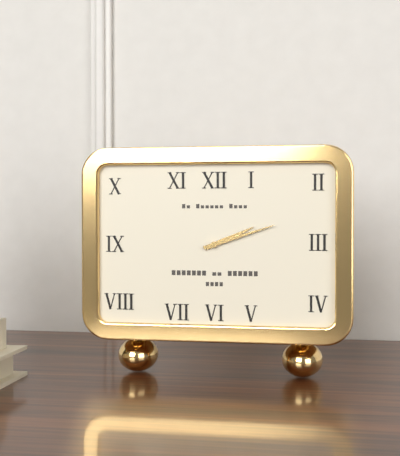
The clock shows 2:12
